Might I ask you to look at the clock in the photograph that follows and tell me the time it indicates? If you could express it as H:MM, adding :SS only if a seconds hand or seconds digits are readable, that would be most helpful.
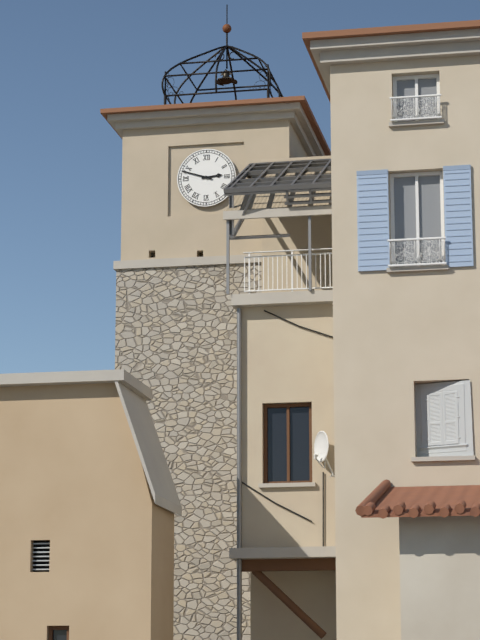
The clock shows 2:48
